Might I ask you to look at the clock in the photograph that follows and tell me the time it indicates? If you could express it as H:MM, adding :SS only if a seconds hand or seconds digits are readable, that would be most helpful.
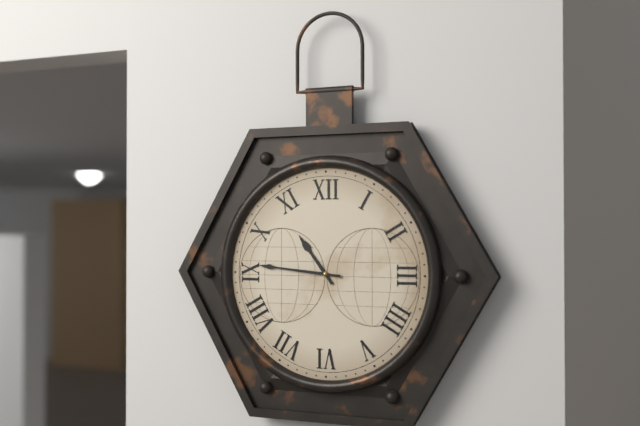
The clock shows 10:46
